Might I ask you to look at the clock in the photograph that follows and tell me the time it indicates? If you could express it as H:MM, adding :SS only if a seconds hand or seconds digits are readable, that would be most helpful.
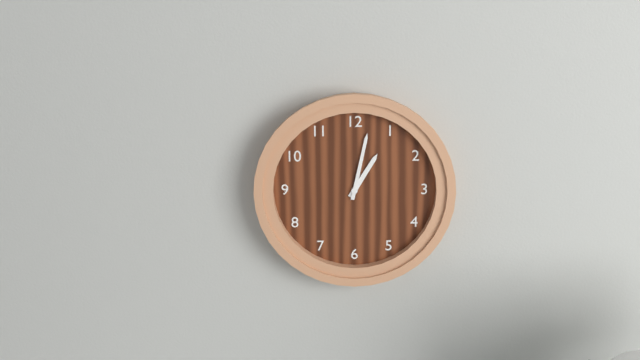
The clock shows 1:02
